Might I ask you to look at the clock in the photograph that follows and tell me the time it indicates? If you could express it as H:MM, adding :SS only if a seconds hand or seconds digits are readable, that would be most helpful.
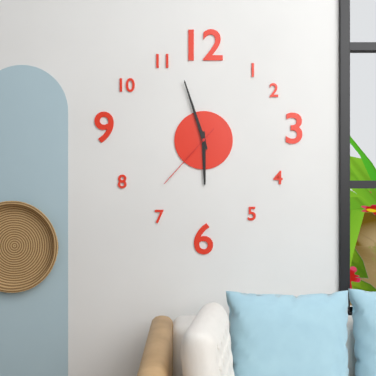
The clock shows 5:57:37
